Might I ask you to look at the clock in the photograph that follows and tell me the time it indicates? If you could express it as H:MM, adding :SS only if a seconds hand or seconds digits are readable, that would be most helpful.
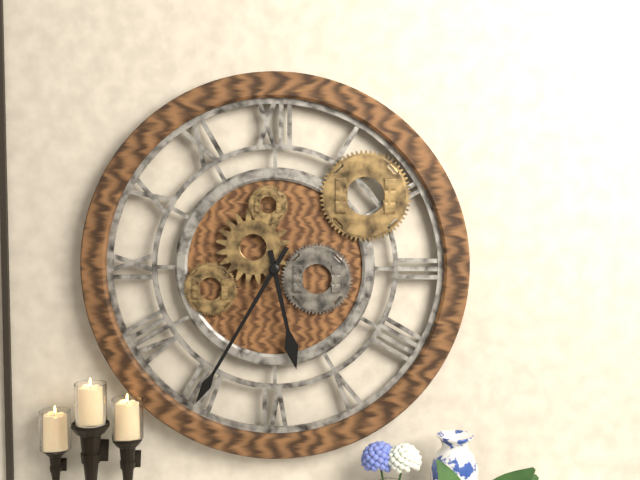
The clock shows 5:35
